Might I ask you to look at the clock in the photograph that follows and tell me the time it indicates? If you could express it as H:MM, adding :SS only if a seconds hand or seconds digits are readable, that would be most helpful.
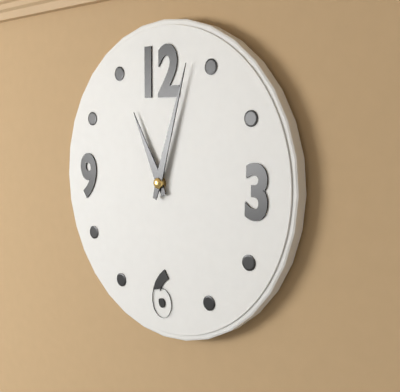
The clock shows 11:03
